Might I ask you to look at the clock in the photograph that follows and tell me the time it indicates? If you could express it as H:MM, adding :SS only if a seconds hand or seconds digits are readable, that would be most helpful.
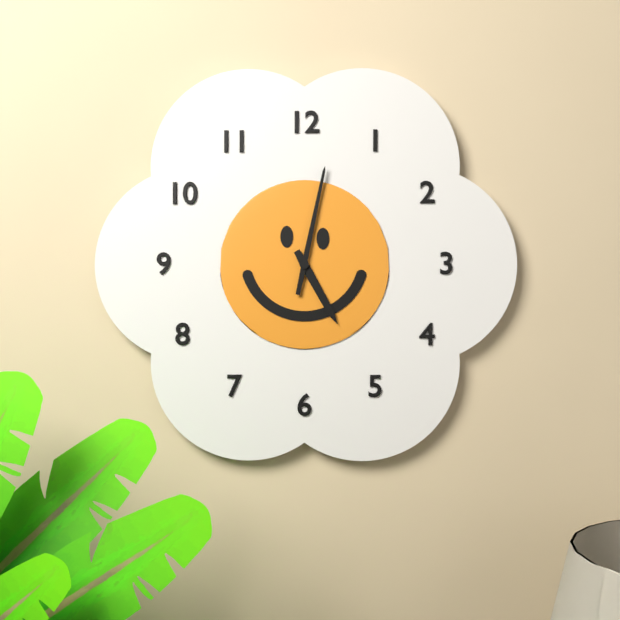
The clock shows 5:02
